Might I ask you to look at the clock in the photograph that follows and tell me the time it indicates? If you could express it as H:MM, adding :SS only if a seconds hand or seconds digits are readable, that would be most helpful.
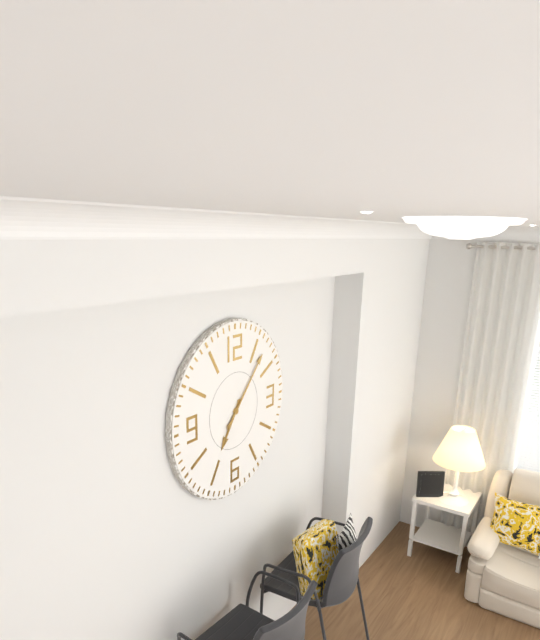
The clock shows 7:07
